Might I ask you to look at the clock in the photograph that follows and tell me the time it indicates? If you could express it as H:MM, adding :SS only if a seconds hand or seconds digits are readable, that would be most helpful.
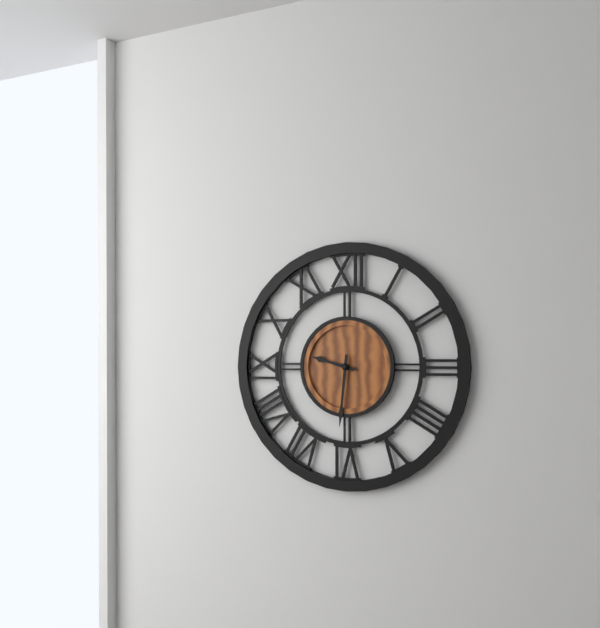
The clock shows 9:31
